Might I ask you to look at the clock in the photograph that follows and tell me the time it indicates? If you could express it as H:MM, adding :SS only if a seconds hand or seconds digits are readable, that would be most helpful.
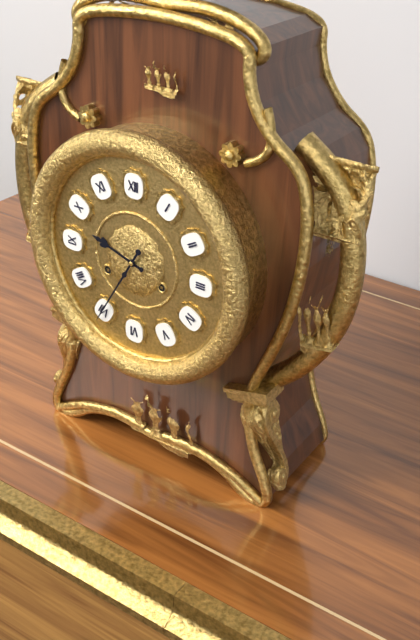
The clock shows 9:35
